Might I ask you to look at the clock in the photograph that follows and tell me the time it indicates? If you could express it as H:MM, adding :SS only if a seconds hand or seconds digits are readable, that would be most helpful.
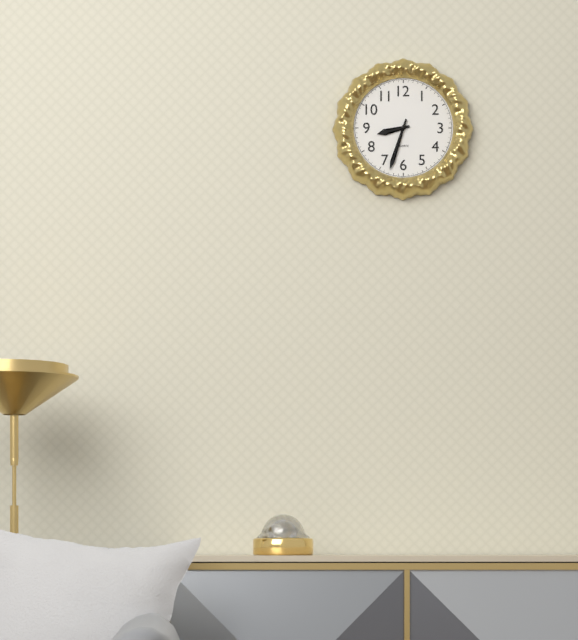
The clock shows 8:33
